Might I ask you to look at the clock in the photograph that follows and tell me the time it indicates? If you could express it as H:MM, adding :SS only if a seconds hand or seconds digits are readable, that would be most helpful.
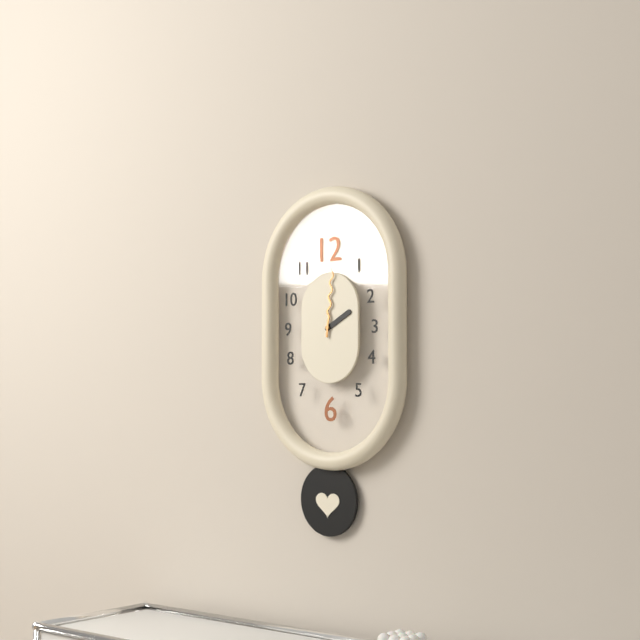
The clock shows 2:01
